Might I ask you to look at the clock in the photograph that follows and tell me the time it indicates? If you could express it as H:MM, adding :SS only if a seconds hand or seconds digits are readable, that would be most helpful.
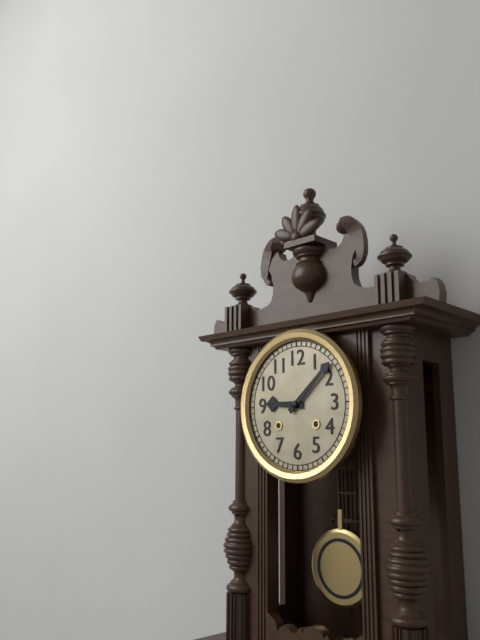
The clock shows 9:08
